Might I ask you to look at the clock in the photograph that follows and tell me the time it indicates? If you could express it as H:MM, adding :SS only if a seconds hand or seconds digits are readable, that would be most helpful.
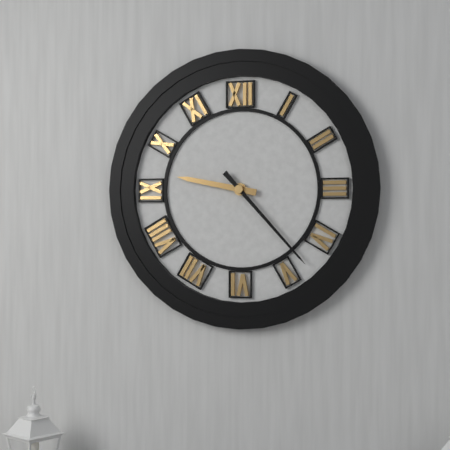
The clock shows 9:23
